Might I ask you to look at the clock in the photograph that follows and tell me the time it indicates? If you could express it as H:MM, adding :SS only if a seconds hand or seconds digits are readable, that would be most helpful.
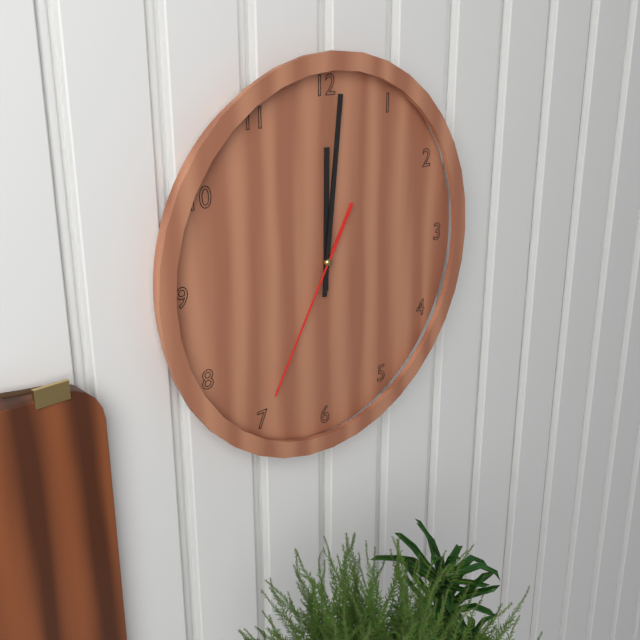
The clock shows 12:01:35
